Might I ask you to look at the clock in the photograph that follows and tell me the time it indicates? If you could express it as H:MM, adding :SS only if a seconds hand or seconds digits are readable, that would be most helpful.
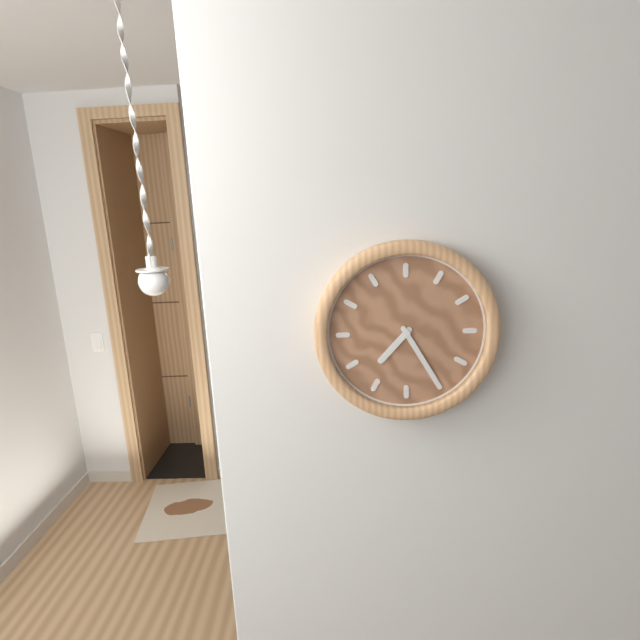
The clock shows 7:25
